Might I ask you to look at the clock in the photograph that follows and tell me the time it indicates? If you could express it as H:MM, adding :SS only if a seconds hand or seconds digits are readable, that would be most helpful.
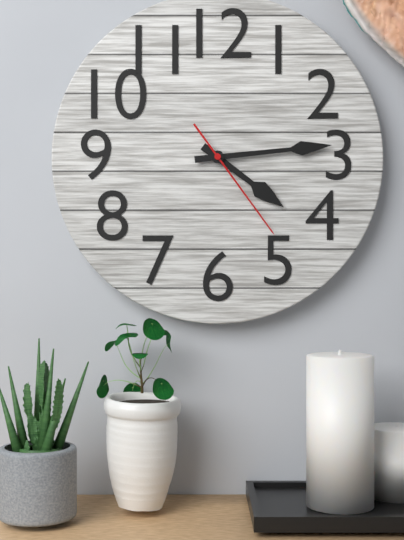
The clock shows 4:14:24
